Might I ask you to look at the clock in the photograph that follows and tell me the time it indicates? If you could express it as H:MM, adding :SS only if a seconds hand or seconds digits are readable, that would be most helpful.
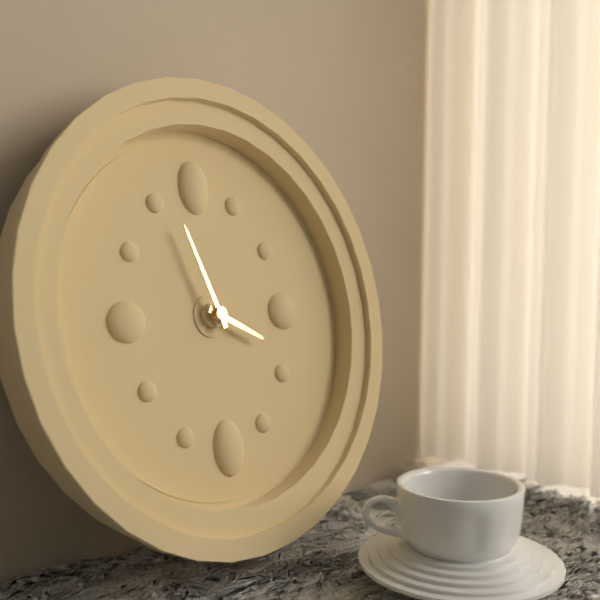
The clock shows 3:57
